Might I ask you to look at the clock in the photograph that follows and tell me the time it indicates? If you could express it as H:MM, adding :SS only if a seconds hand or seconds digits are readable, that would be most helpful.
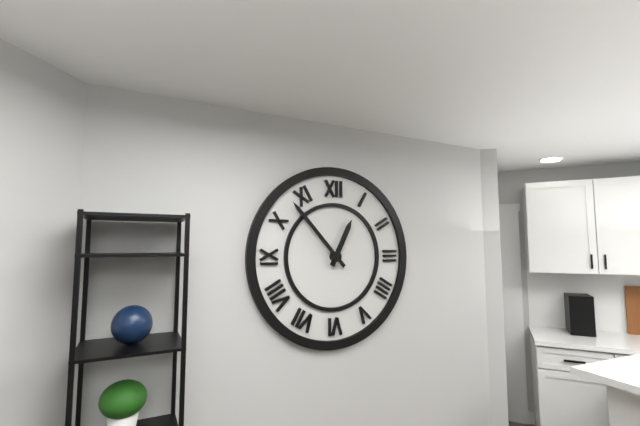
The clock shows 12:53
